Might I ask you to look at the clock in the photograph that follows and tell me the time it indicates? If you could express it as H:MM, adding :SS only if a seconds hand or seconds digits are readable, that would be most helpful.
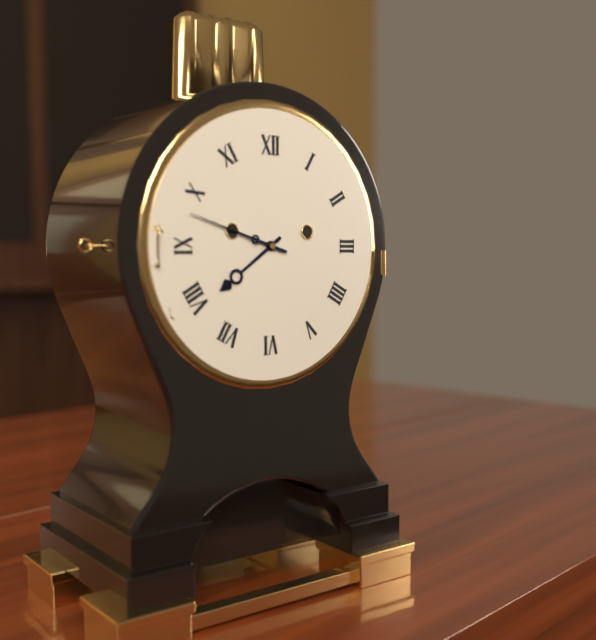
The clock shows 7:48
